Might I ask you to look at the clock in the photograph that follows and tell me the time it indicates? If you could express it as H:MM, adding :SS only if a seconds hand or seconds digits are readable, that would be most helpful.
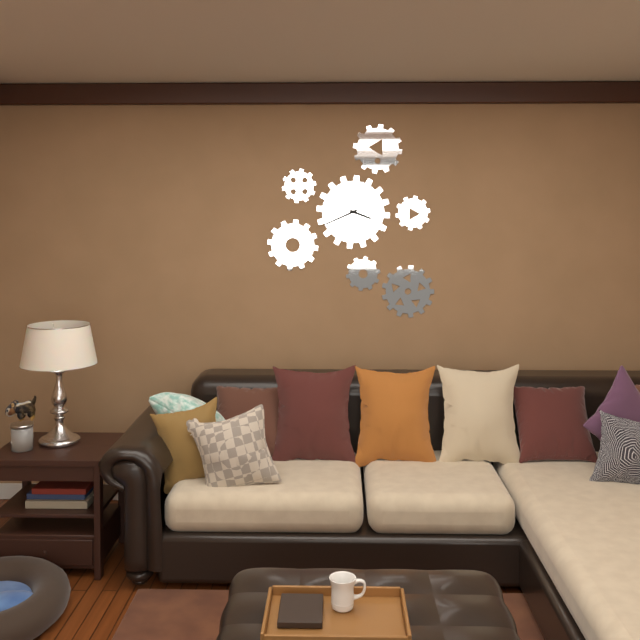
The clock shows 3:41
